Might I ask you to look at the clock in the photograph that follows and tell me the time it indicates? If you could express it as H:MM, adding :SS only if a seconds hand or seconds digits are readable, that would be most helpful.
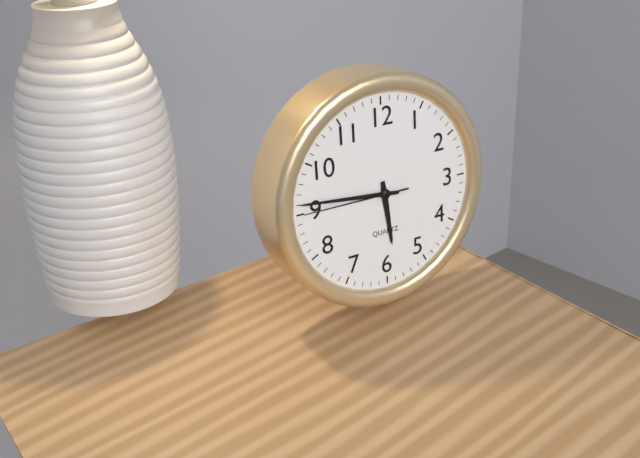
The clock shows 5:46:45
